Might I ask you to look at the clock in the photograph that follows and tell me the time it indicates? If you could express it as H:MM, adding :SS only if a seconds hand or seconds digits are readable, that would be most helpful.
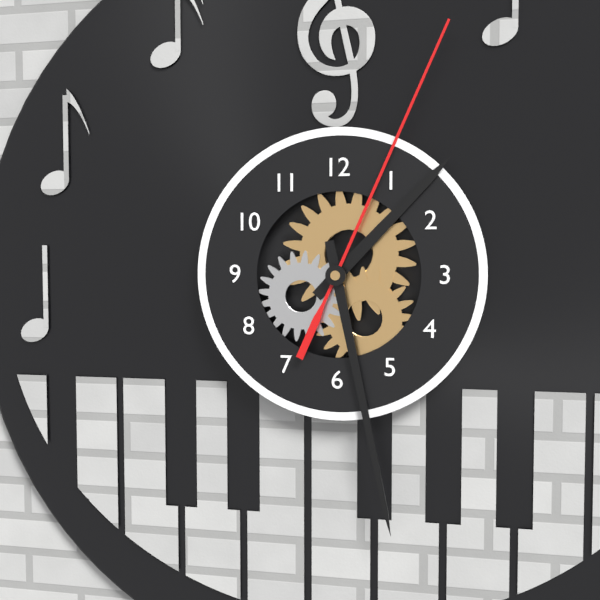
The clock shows 1:28:04
